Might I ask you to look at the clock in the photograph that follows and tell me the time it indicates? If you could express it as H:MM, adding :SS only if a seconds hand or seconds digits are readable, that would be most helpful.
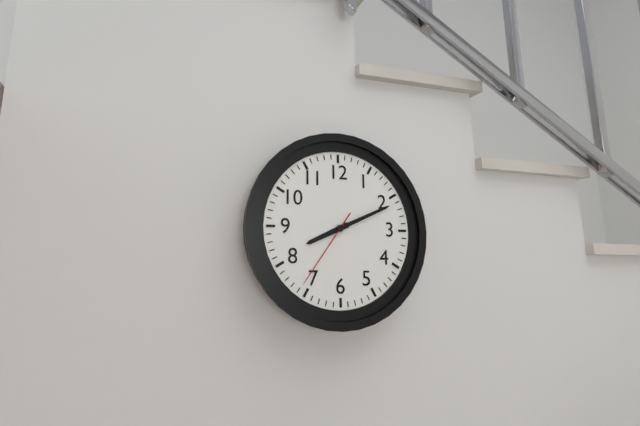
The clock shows 8:11:36
